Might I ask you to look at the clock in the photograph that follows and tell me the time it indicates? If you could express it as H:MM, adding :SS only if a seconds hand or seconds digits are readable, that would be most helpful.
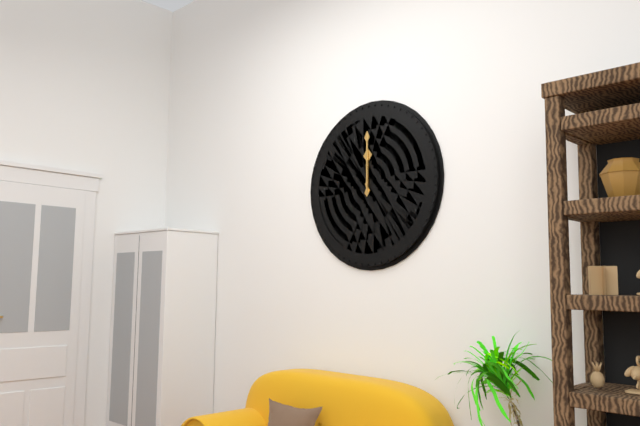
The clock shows 12:00
